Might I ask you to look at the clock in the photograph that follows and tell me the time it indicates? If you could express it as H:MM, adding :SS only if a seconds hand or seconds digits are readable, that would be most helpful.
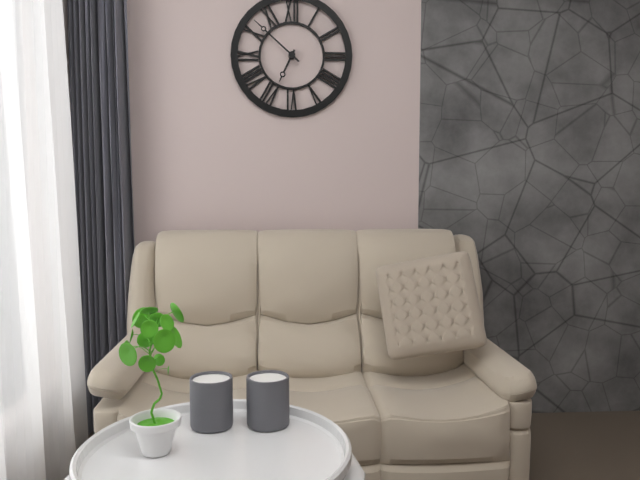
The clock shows 6:52
